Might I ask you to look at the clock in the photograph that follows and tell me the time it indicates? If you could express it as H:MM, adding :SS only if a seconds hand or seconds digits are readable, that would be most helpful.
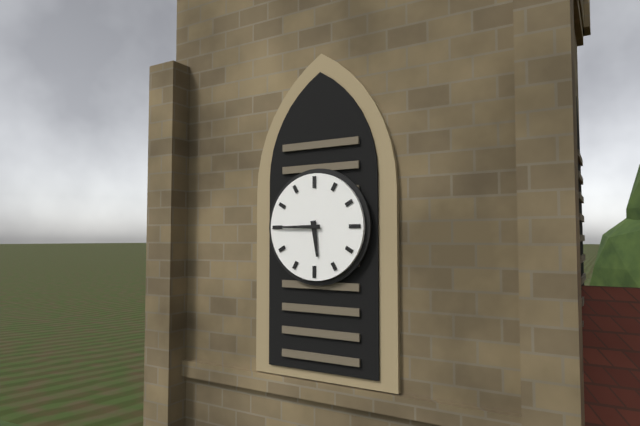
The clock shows 5:45
